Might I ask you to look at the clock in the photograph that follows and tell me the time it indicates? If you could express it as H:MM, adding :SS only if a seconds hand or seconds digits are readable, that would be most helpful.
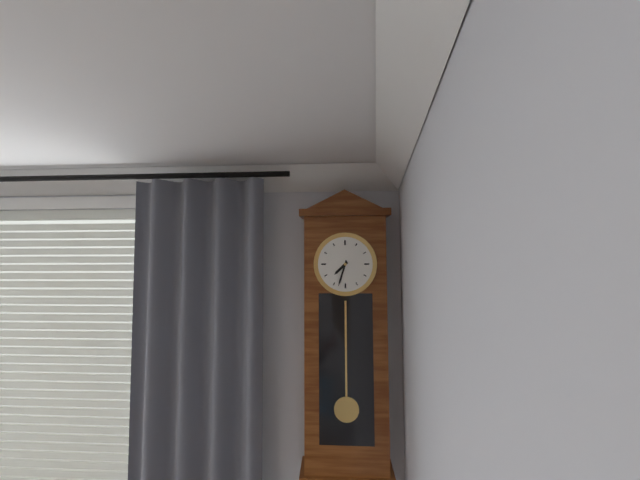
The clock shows 7:33
